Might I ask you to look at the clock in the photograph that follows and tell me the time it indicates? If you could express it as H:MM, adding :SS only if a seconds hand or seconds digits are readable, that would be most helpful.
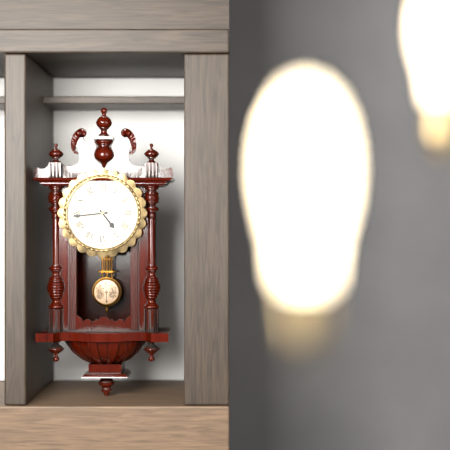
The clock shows 4:44
